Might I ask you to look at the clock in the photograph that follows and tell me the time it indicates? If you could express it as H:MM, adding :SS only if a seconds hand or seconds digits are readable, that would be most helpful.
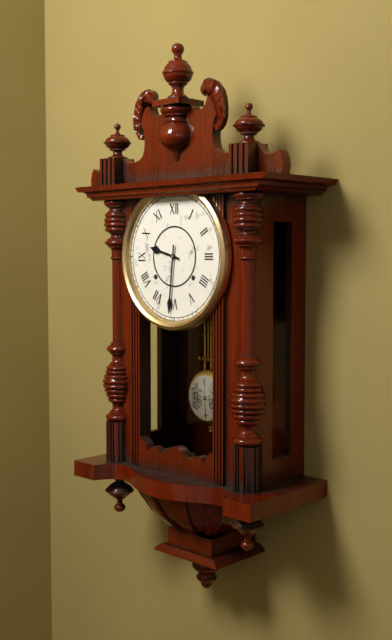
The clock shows 9:31
